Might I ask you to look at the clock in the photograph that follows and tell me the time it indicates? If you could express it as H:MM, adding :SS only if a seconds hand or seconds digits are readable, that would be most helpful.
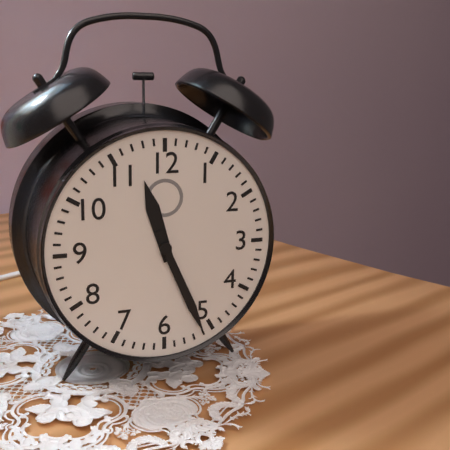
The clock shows 11:26
